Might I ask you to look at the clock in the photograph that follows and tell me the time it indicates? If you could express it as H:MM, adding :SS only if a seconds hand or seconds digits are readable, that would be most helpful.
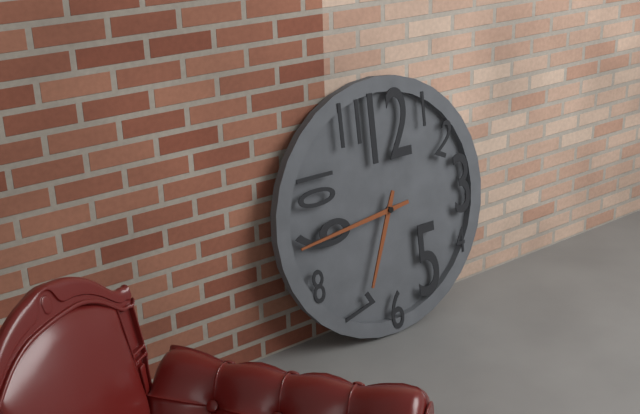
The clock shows 6:44
